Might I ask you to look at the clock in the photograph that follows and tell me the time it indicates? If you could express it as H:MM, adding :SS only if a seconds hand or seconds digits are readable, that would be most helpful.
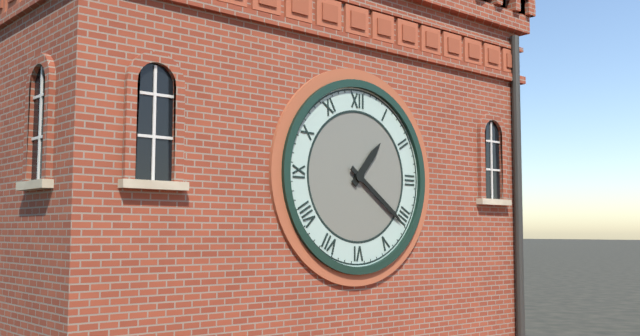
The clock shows 1:21
